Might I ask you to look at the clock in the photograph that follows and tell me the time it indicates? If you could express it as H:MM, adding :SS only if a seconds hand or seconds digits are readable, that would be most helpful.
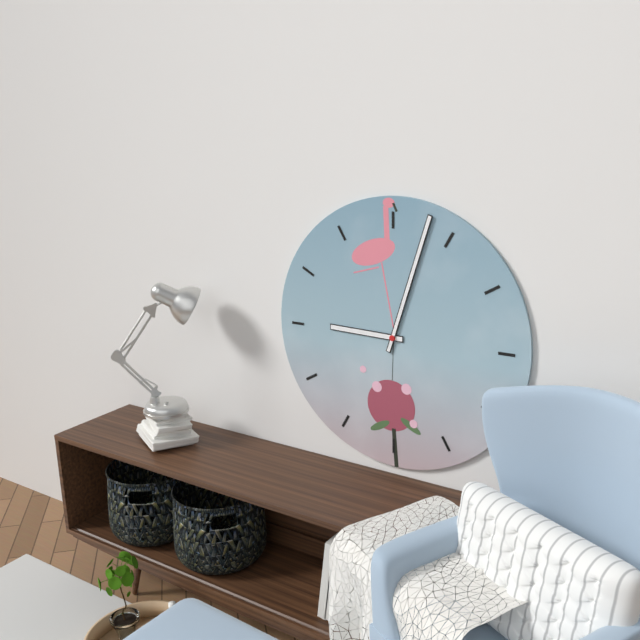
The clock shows 9:03
